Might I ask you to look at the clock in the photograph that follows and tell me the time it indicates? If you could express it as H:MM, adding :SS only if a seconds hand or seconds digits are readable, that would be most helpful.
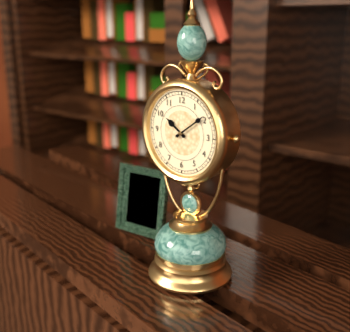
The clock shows 10:09
